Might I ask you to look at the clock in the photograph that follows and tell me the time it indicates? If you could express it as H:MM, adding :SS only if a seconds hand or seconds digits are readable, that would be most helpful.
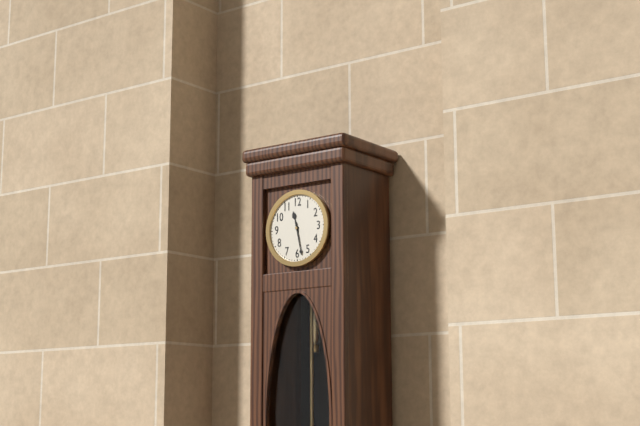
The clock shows 11:28
